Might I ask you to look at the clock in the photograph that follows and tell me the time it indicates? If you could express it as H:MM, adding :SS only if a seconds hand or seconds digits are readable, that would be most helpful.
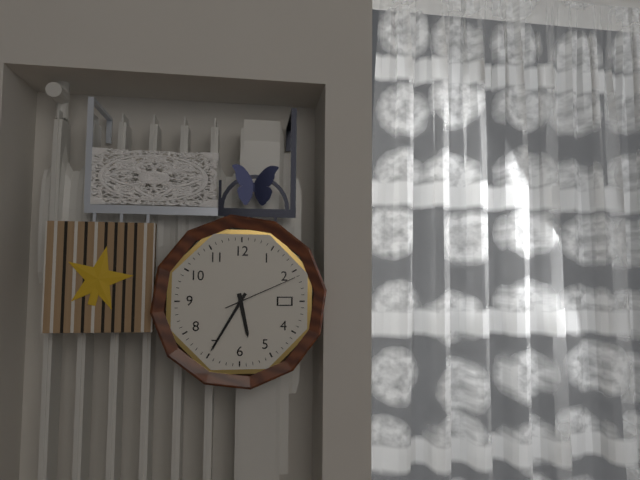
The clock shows 5:35:11
